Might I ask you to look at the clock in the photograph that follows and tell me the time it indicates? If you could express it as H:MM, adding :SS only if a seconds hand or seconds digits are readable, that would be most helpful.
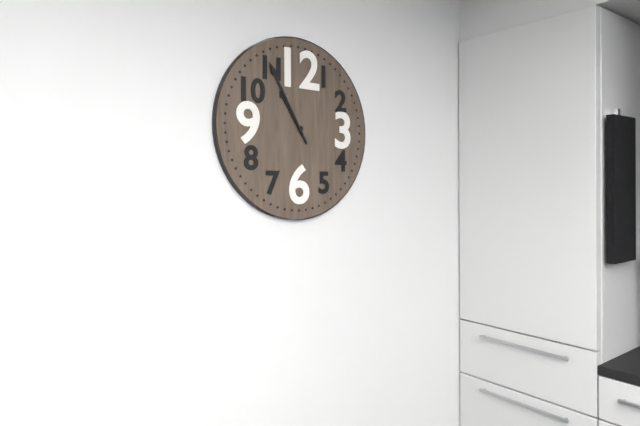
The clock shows 10:55
